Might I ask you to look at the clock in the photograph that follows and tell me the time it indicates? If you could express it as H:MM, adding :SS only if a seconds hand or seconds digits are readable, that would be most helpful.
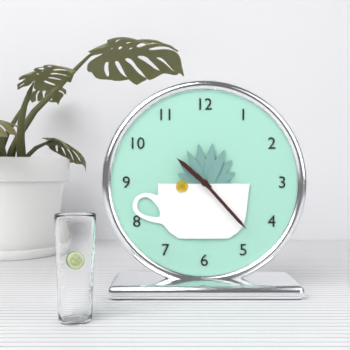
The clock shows 10:23
